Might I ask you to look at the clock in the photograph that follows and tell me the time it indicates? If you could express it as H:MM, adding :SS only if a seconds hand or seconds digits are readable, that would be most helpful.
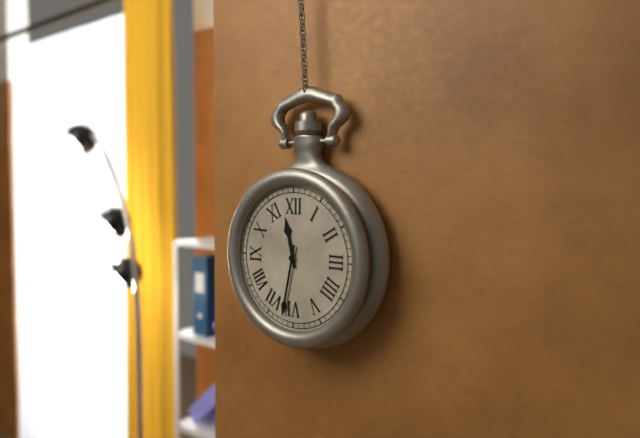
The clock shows 11:32
